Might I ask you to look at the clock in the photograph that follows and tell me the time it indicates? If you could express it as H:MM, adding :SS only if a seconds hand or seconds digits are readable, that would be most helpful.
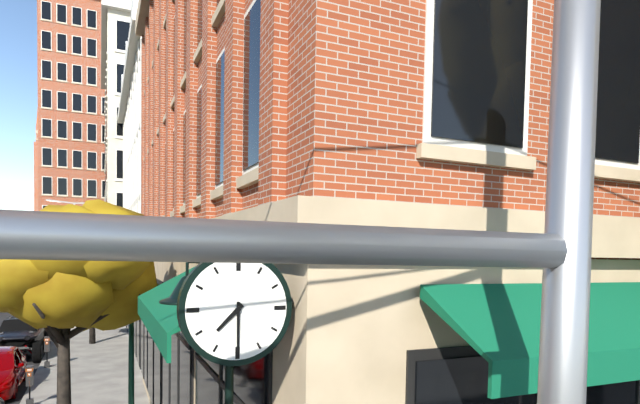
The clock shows 7:30
